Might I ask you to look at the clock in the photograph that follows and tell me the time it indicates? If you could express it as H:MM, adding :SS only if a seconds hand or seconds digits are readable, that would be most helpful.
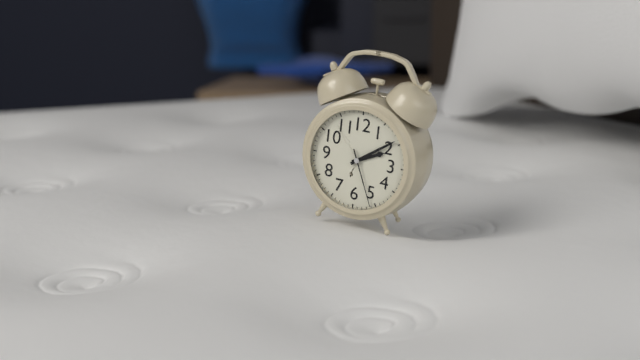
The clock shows 2:09:26
